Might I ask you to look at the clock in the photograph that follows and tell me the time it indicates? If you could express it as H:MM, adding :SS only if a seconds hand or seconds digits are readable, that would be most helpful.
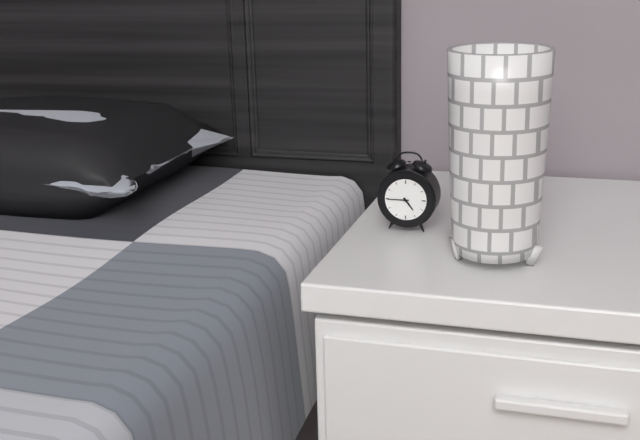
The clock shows 4:45
